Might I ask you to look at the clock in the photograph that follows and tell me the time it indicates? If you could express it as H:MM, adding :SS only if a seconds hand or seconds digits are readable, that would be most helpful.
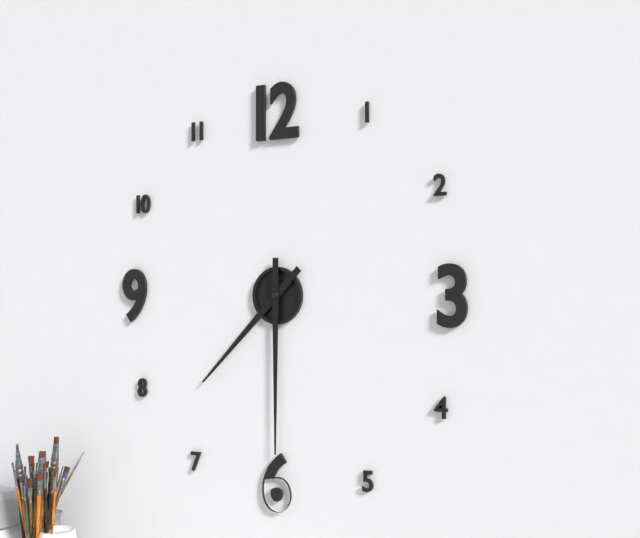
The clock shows 7:30
